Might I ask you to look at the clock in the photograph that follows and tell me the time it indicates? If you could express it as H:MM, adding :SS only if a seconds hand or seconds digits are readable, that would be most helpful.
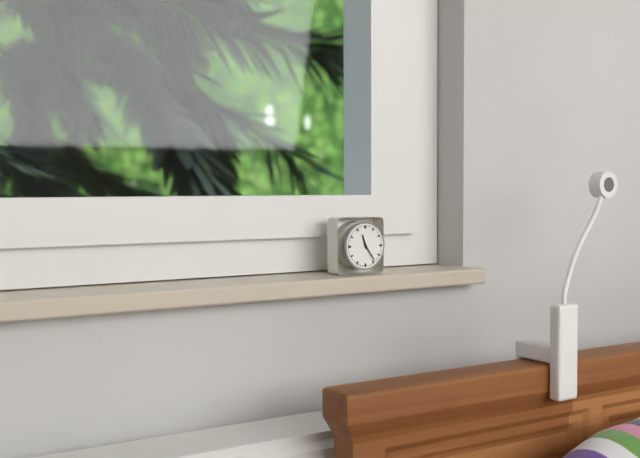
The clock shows 11:24
